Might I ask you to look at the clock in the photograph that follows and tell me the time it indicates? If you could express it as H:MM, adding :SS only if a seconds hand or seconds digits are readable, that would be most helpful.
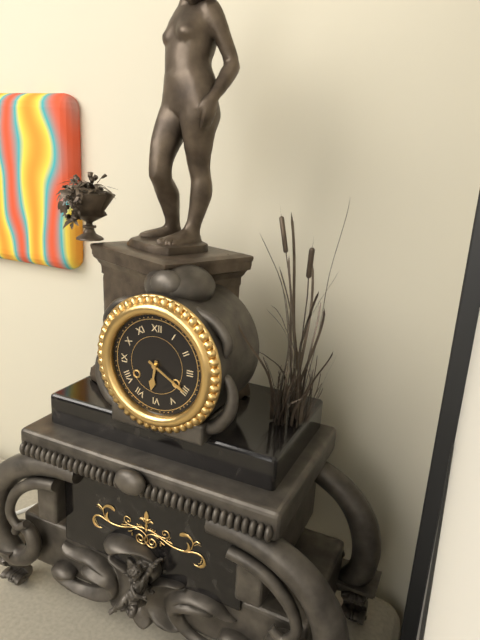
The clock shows 6:20
